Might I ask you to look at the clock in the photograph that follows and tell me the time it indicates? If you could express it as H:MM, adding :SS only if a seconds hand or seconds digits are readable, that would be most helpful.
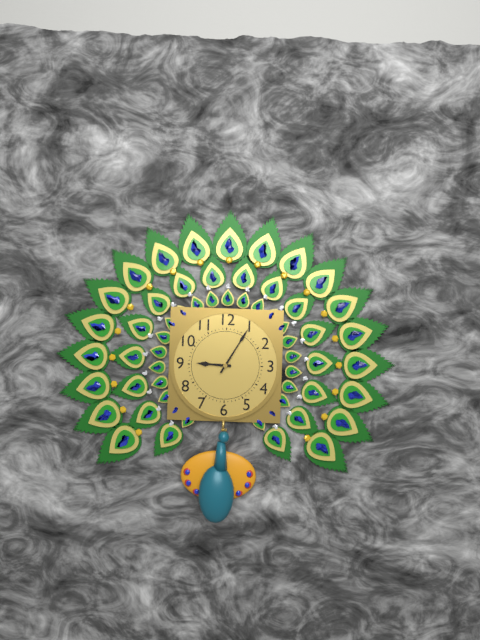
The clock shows 9:05
